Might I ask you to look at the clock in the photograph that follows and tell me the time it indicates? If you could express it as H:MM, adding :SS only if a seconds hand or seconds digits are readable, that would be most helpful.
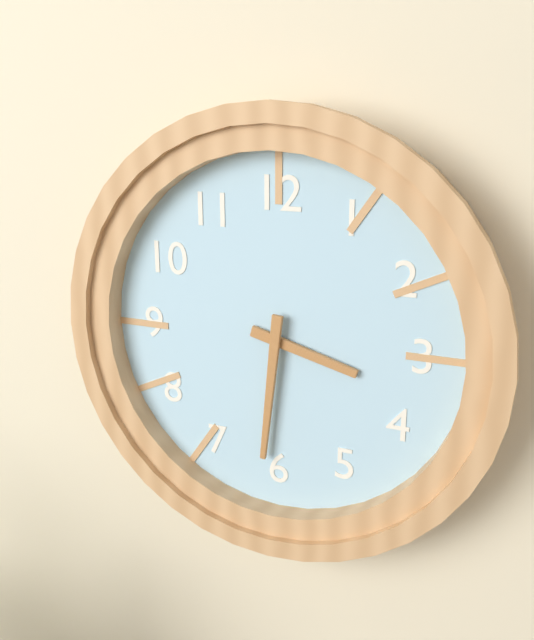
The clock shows 3:31
